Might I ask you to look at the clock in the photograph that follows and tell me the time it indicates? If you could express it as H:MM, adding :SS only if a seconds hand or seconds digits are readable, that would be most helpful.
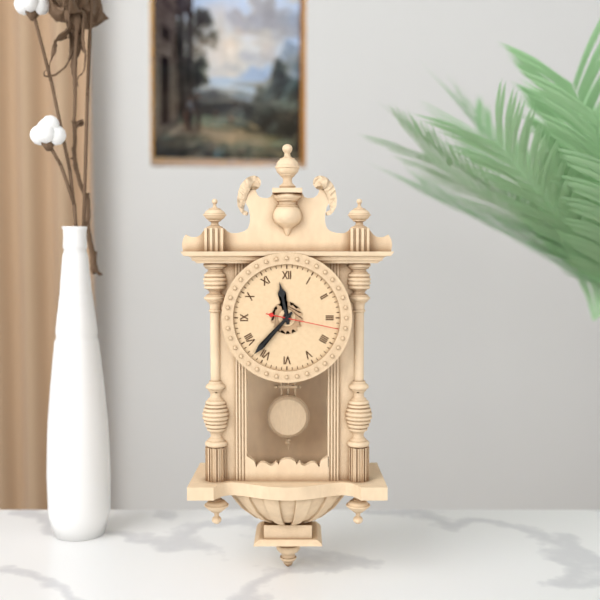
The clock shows 11:37:17
